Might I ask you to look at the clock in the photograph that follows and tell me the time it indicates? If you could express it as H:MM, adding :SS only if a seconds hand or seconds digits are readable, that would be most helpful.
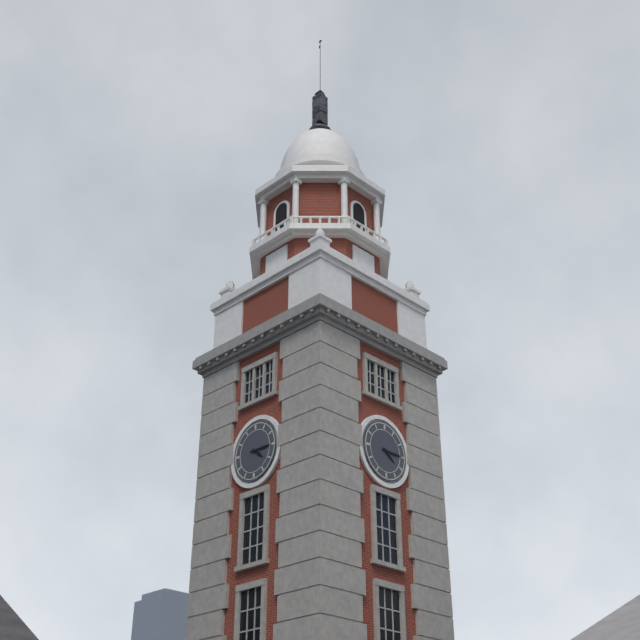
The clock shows 4:15
